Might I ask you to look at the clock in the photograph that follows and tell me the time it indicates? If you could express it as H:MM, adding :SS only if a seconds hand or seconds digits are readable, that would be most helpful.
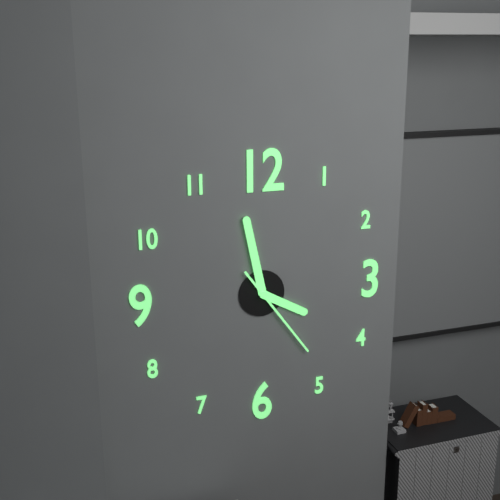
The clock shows 3:58:24
